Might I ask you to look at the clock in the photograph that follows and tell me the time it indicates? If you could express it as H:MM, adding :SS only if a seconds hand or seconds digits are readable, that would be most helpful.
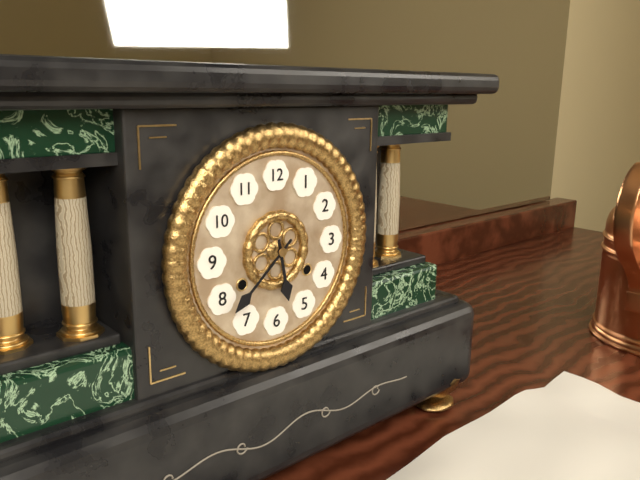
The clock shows 5:38
